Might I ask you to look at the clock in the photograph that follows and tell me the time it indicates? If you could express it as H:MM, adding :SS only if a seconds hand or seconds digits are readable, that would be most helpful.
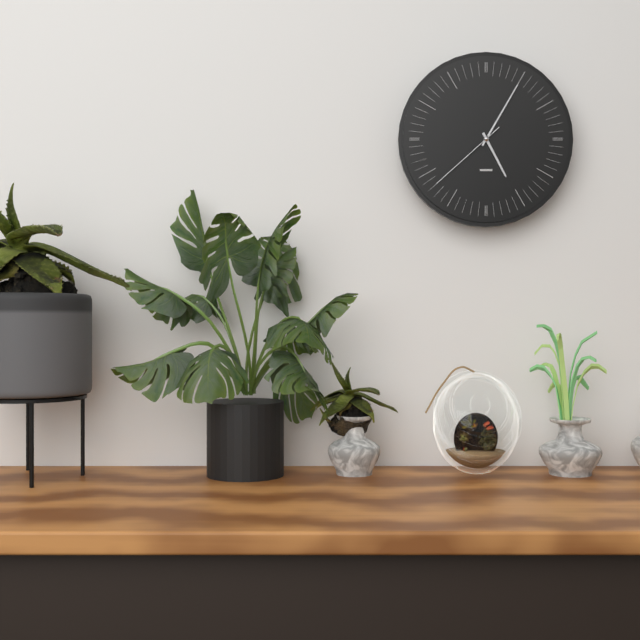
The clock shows 5:05:38
